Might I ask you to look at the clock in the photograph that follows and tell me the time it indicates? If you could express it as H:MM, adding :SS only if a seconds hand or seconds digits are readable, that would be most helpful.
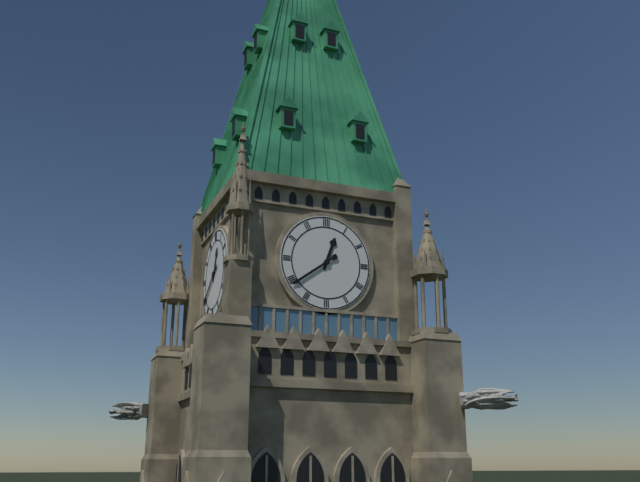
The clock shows 12:39
